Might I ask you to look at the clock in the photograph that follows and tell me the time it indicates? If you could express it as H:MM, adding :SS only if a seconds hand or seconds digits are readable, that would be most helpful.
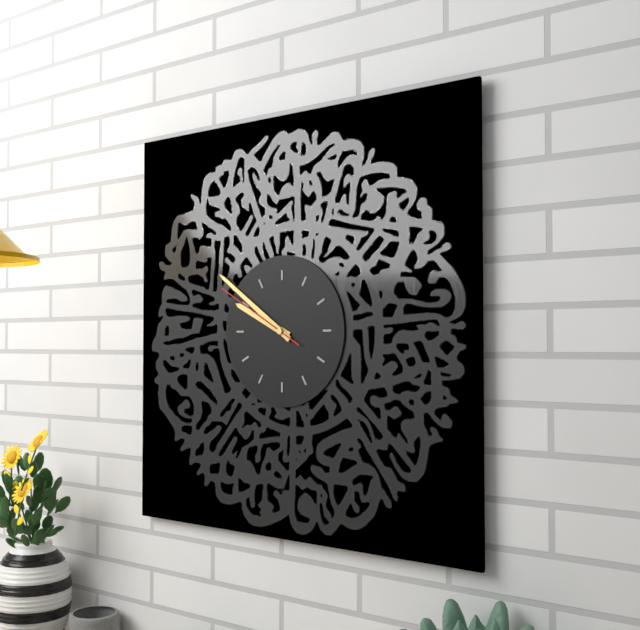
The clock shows 9:51:50
